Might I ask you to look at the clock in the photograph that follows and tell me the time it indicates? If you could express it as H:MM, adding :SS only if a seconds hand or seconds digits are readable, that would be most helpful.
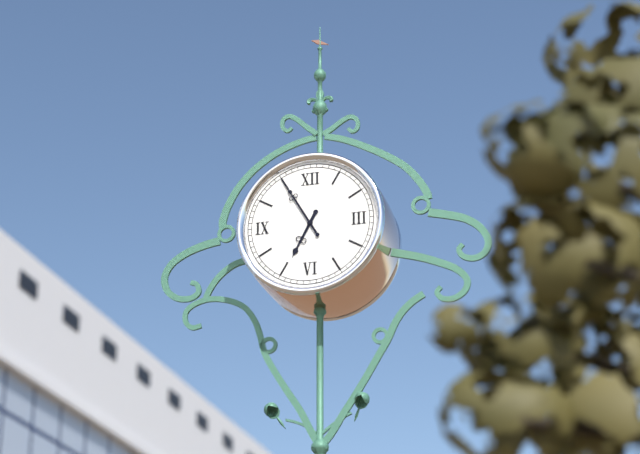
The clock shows 6:55
